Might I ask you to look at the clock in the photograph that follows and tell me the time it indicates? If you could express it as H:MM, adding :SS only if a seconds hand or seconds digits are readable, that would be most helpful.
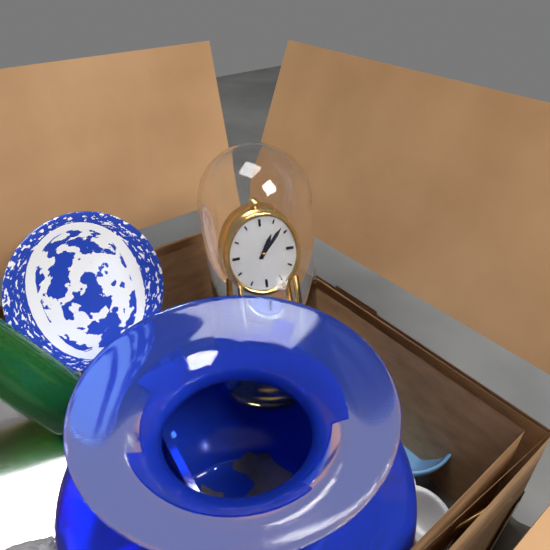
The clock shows 1:08
